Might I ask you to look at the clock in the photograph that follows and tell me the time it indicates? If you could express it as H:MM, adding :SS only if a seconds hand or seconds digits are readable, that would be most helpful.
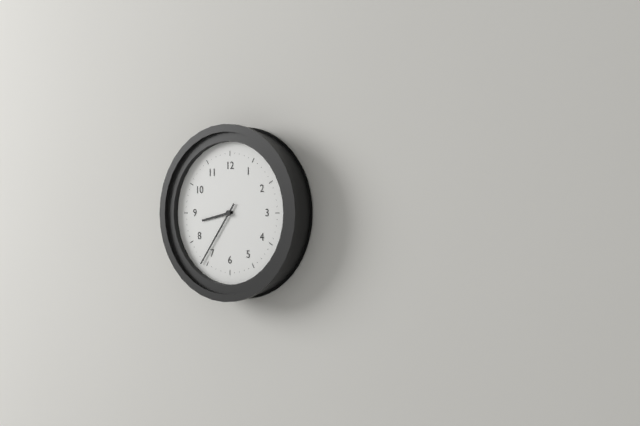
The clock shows 8:36
